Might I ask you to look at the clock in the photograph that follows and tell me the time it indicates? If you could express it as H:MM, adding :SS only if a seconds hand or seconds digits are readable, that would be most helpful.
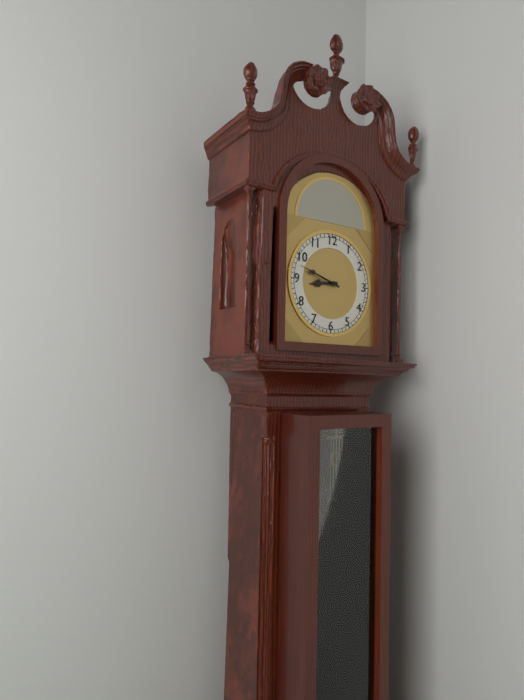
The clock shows 8:48
